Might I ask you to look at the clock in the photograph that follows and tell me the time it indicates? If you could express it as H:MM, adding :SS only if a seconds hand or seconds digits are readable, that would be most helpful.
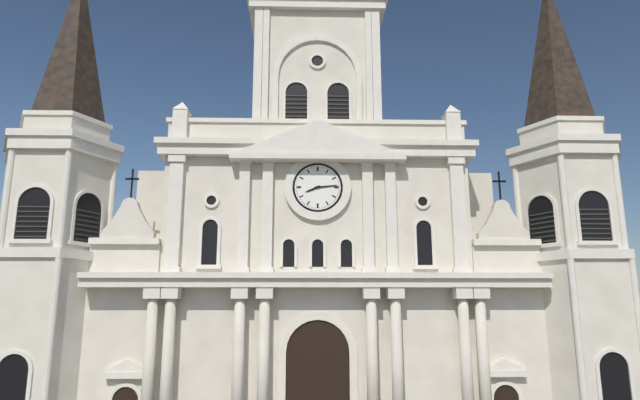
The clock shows 8:14
